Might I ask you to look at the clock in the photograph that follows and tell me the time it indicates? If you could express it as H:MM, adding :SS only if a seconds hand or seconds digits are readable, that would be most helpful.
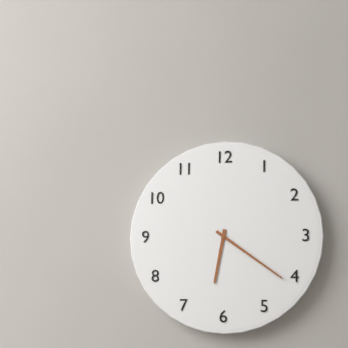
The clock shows 6:21
